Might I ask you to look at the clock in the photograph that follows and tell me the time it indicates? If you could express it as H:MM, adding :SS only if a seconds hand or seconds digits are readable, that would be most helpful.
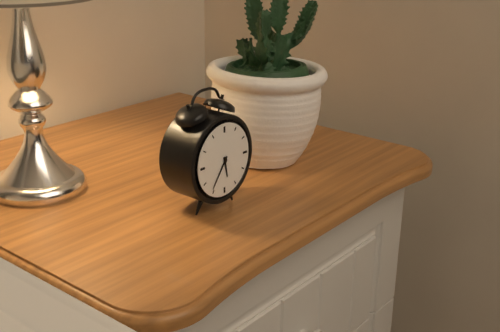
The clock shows 5:36
